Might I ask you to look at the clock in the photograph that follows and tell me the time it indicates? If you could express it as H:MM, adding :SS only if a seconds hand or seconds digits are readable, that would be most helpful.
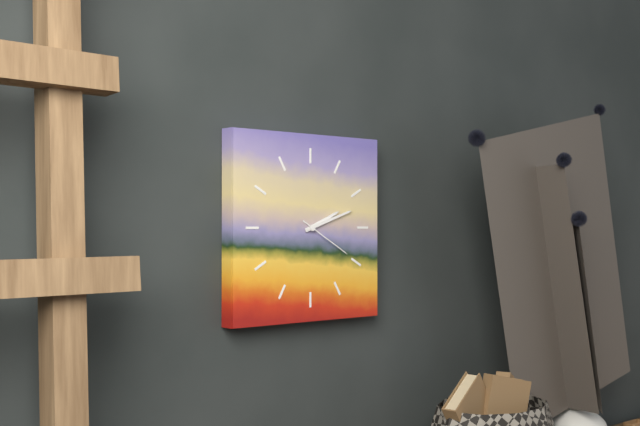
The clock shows 2:12:20
